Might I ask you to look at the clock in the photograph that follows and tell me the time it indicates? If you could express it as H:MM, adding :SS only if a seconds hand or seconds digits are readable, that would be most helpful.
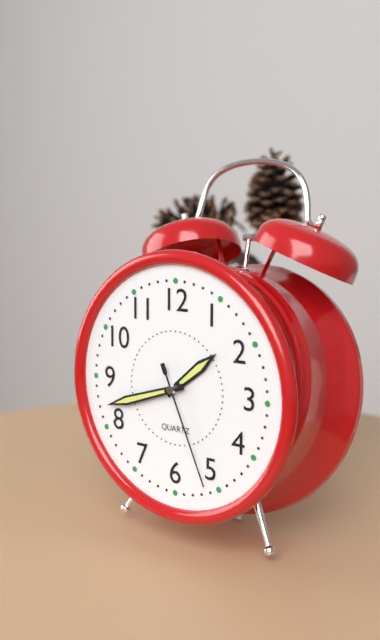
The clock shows 1:42:26
